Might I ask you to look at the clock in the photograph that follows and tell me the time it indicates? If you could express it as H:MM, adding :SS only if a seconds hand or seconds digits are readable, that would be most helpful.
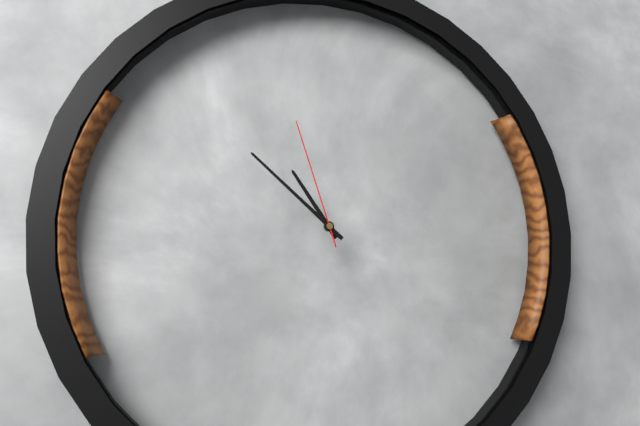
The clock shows 10:52:57
